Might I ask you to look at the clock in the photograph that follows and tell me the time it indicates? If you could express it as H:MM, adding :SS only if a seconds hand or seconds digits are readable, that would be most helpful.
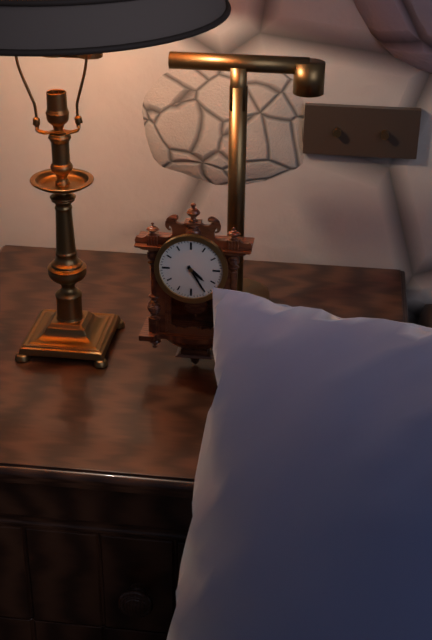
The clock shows 4:25
